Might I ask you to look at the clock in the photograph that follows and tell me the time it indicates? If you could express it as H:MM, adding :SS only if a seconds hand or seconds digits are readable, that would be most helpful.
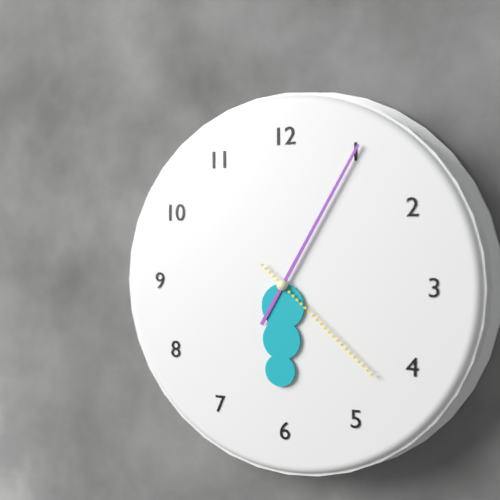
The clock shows 6:05:22
